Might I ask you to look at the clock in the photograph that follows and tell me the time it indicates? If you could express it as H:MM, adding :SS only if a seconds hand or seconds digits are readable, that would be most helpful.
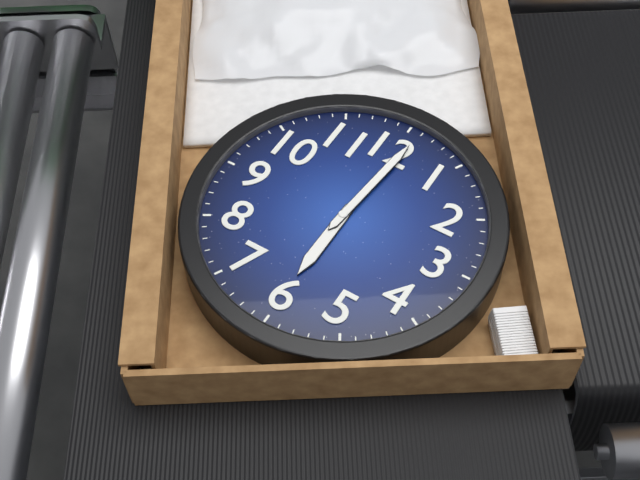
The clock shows 6:01
